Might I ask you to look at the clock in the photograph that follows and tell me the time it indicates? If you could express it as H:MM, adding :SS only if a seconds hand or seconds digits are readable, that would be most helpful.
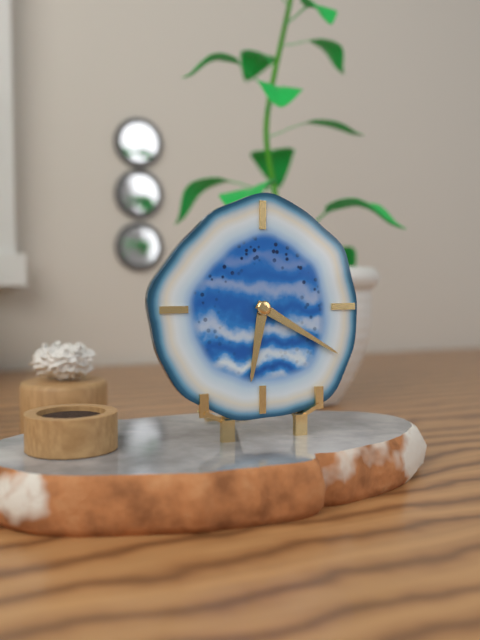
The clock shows 6:20
